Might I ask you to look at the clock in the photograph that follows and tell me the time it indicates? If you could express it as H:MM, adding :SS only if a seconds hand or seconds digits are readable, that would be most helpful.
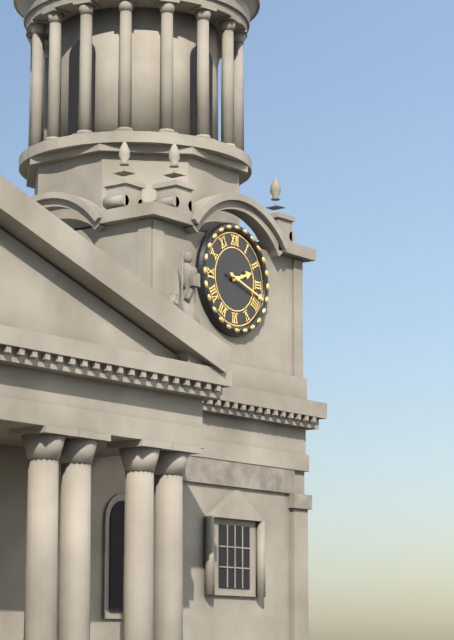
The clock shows 2:18
